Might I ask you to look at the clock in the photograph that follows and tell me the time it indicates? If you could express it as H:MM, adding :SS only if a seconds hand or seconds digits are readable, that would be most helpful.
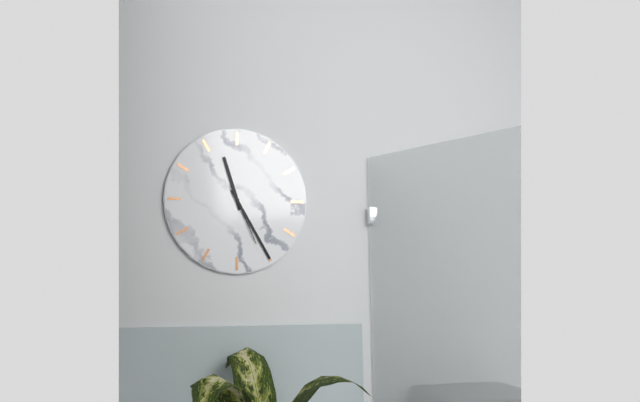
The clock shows 11:25:26
